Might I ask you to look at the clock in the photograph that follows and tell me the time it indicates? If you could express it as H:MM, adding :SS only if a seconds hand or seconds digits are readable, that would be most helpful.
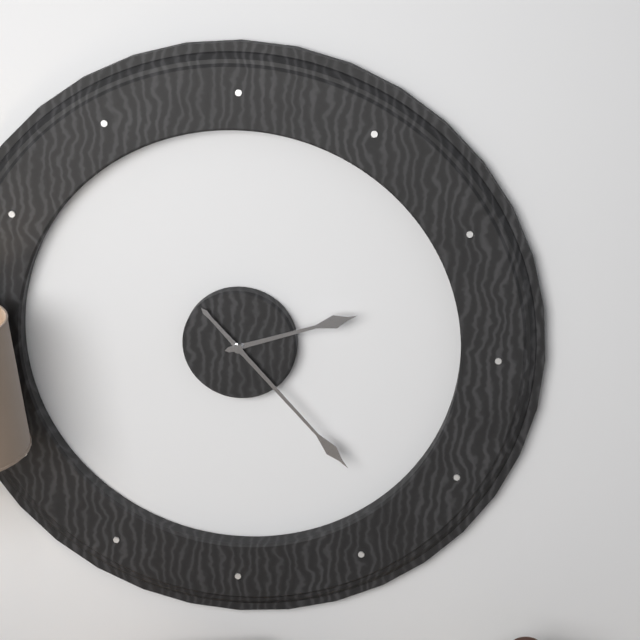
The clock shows 2:23
